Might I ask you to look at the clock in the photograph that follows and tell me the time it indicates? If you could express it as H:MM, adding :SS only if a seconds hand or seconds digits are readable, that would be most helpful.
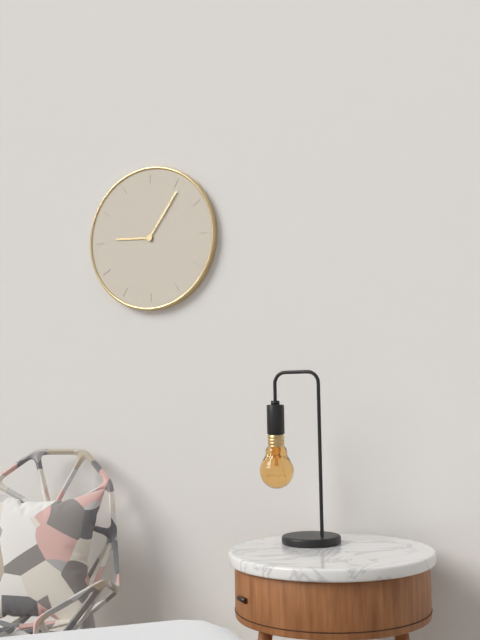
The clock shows 9:06
